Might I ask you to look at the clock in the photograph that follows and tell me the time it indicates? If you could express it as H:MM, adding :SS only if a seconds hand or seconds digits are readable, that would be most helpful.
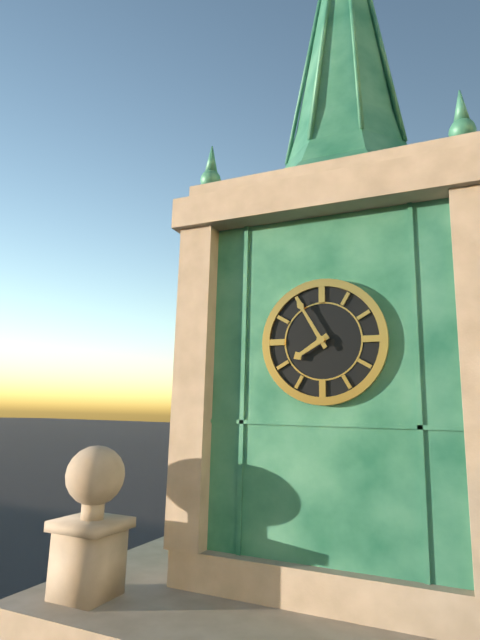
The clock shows 7:55
